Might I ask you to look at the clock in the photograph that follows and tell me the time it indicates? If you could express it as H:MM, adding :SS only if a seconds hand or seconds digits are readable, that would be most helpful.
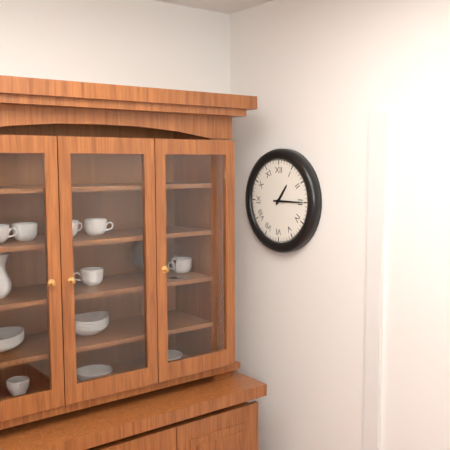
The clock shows 1:15
